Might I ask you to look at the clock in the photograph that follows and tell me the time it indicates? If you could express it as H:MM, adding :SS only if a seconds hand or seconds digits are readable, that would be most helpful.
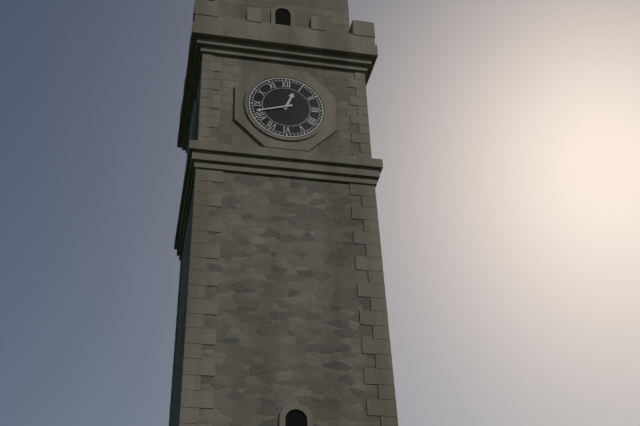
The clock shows 12:42
